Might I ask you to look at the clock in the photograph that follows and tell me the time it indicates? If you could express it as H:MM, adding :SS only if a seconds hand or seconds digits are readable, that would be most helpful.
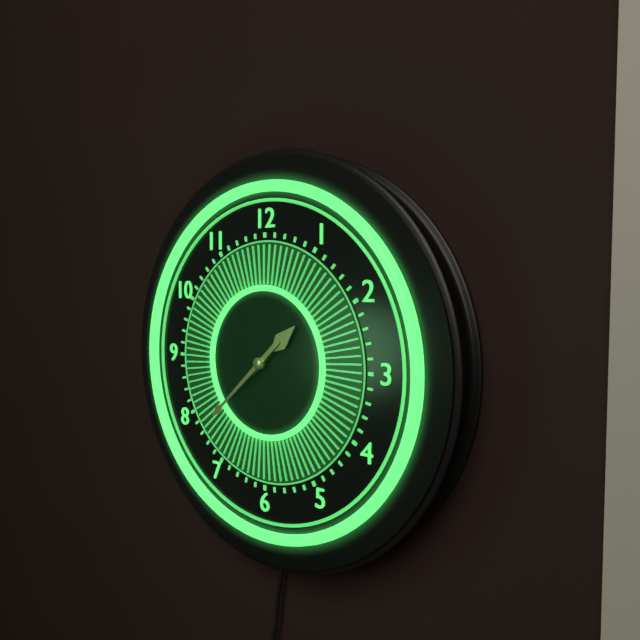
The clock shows 1:38
